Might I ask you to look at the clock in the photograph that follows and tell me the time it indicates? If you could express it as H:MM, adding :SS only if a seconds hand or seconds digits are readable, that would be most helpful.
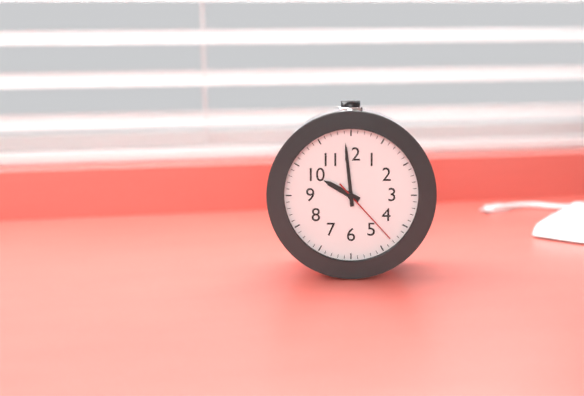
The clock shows 9:59:23
